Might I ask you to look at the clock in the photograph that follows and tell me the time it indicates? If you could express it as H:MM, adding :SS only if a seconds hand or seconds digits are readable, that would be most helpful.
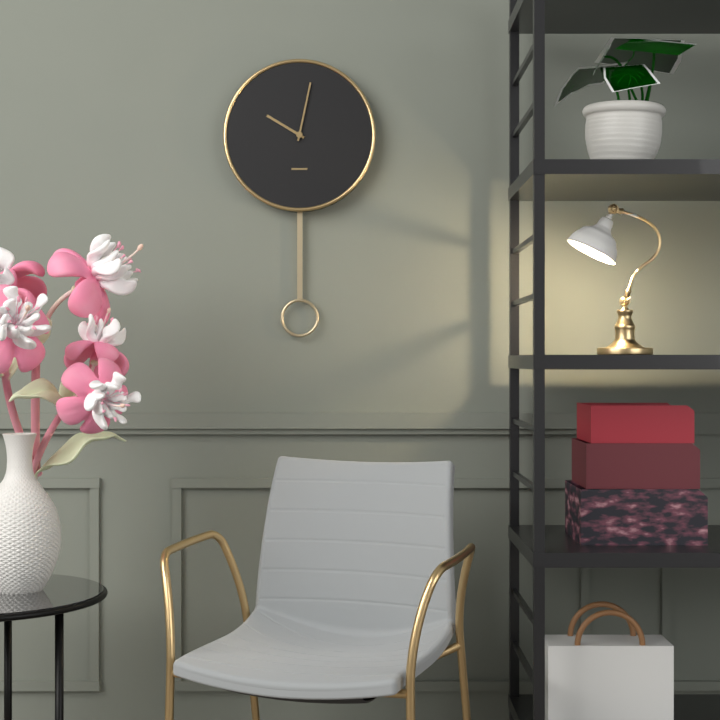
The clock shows 10:02
